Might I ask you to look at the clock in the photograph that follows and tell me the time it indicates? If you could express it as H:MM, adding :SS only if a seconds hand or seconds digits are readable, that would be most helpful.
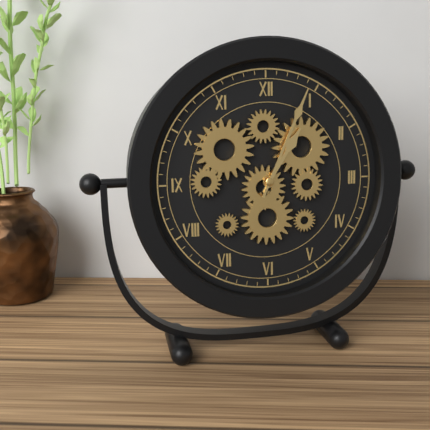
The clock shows 1:04
